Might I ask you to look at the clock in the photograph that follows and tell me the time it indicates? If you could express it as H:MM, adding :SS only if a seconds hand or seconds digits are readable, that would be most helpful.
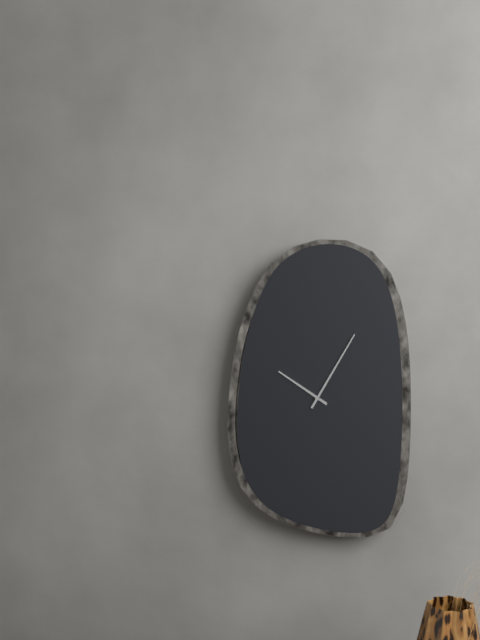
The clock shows 10:05
